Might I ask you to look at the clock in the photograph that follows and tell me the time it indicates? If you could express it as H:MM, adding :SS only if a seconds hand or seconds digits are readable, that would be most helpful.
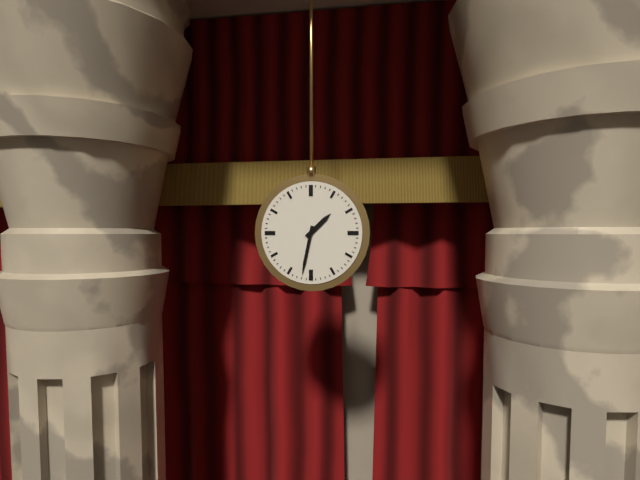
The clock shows 1:32
